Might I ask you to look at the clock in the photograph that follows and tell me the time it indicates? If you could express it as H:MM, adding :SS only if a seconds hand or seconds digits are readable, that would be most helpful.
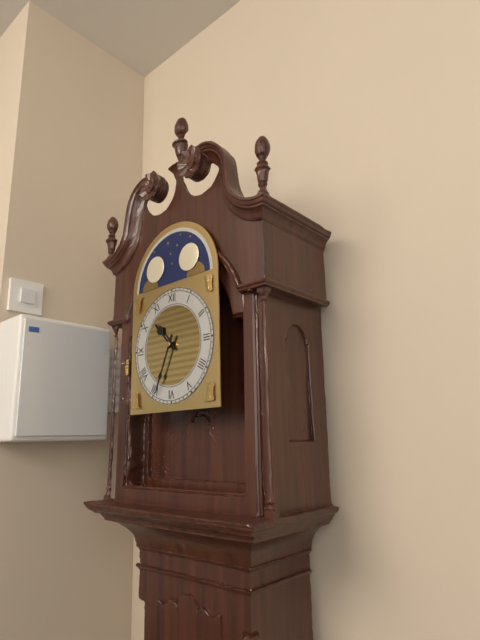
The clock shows 10:34
